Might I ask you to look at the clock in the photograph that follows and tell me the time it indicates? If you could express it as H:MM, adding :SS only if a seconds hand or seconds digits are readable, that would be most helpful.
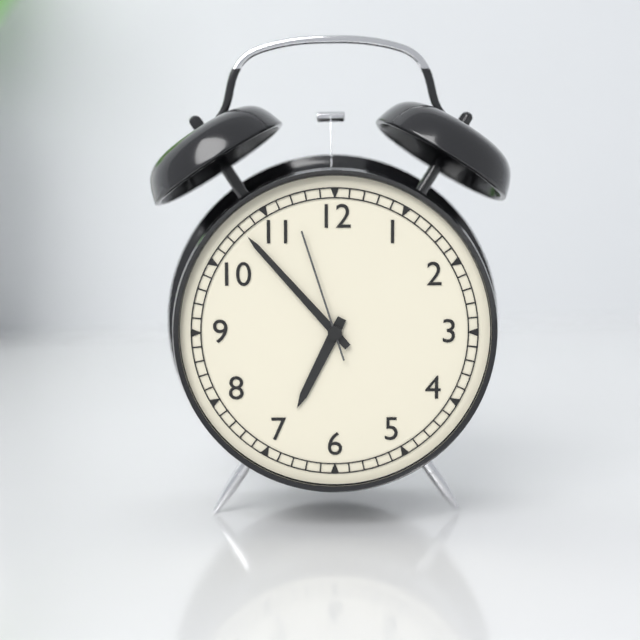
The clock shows 6:53:57
